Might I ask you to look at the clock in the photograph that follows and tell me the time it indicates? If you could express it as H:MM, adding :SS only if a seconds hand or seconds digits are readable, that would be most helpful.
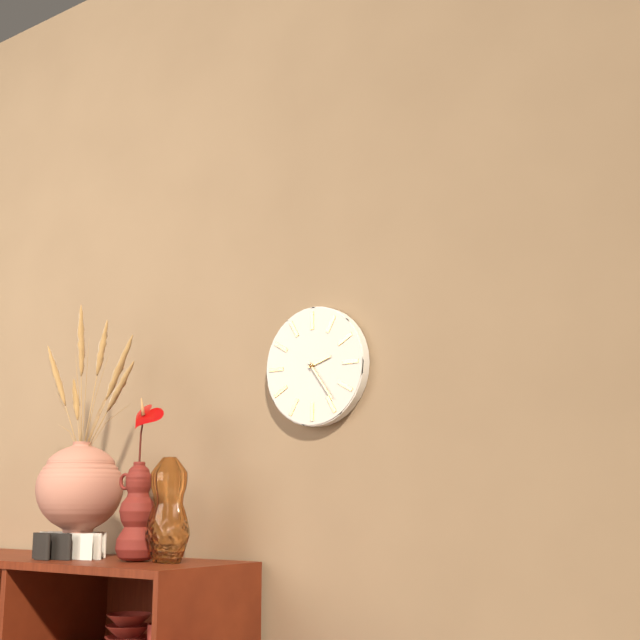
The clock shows 2:24
